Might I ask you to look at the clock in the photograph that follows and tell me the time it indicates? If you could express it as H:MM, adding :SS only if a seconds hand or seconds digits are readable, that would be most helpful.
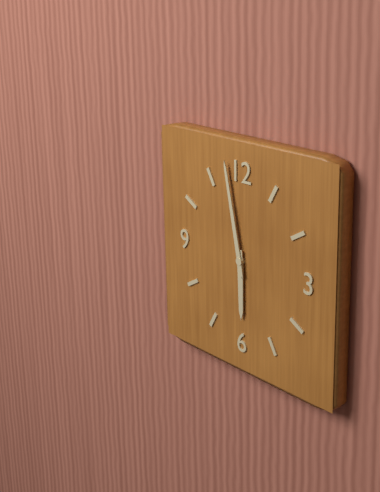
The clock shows 5:58
